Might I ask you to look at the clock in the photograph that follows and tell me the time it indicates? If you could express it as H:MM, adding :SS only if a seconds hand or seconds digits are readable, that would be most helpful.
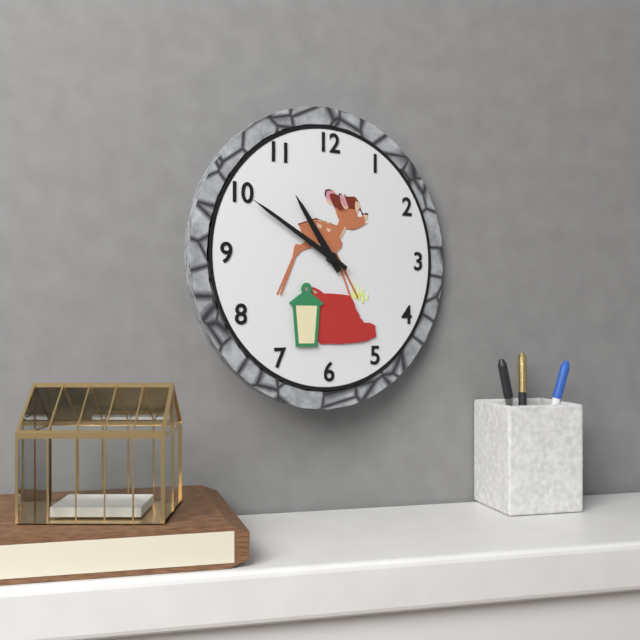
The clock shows 10:50
